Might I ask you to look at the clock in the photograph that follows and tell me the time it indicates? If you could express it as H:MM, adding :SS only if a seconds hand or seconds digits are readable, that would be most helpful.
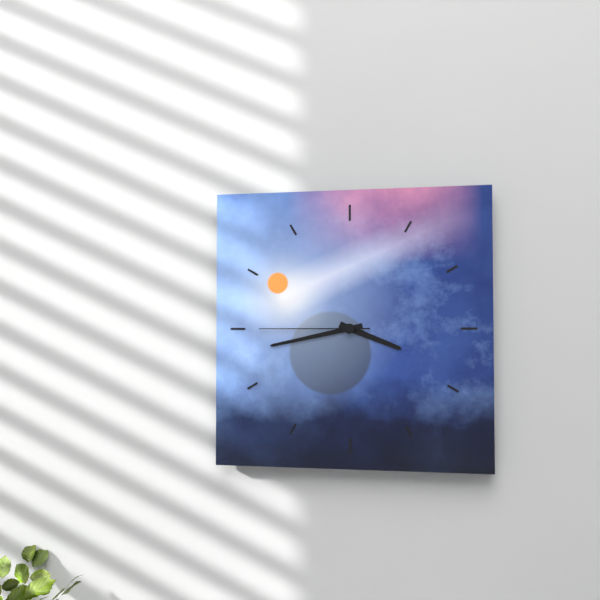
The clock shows 3:43:45
